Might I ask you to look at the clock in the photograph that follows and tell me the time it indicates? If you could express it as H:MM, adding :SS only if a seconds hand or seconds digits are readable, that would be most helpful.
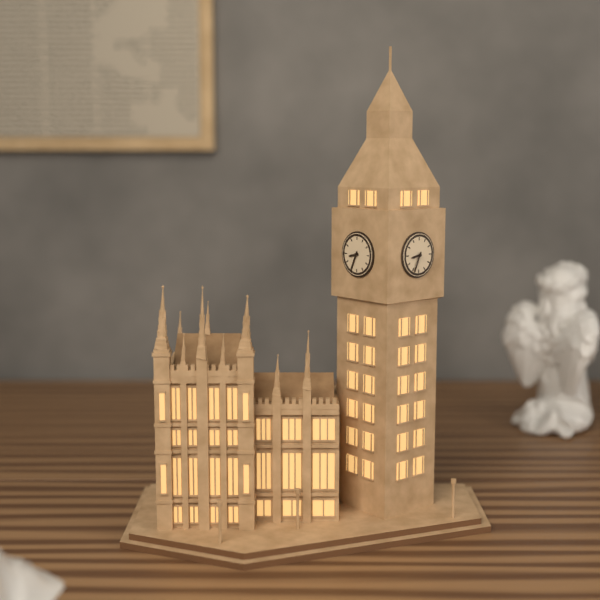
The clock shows 8:34
